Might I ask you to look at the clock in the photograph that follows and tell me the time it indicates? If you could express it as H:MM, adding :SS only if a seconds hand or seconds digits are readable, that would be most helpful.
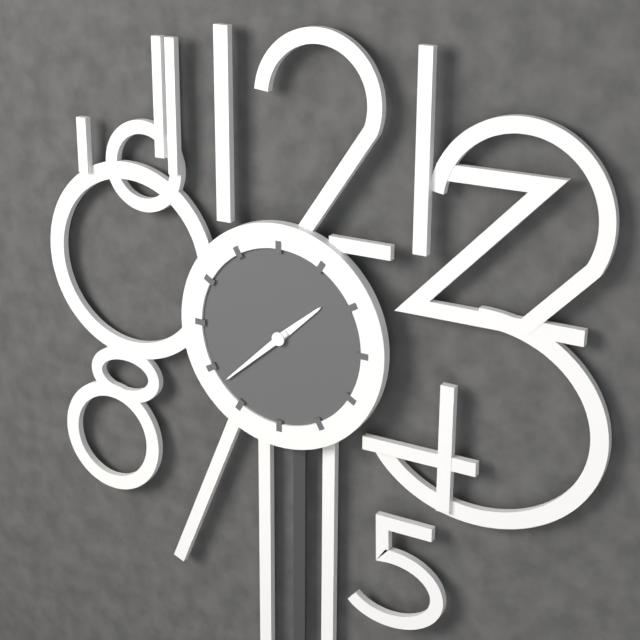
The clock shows 1:38
